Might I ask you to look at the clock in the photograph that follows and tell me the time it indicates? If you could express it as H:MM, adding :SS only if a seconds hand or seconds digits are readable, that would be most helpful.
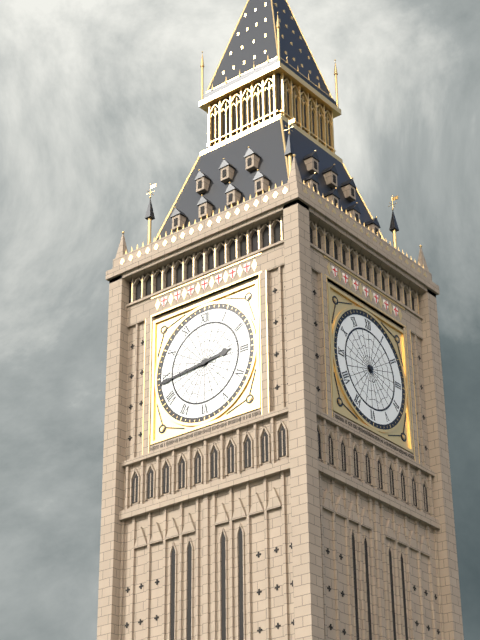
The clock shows 2:44
